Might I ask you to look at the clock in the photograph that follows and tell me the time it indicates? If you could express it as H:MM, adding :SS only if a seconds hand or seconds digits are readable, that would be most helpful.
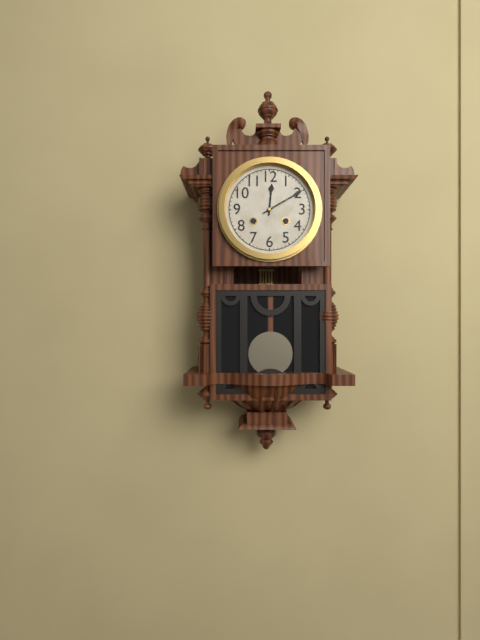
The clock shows 12:10
